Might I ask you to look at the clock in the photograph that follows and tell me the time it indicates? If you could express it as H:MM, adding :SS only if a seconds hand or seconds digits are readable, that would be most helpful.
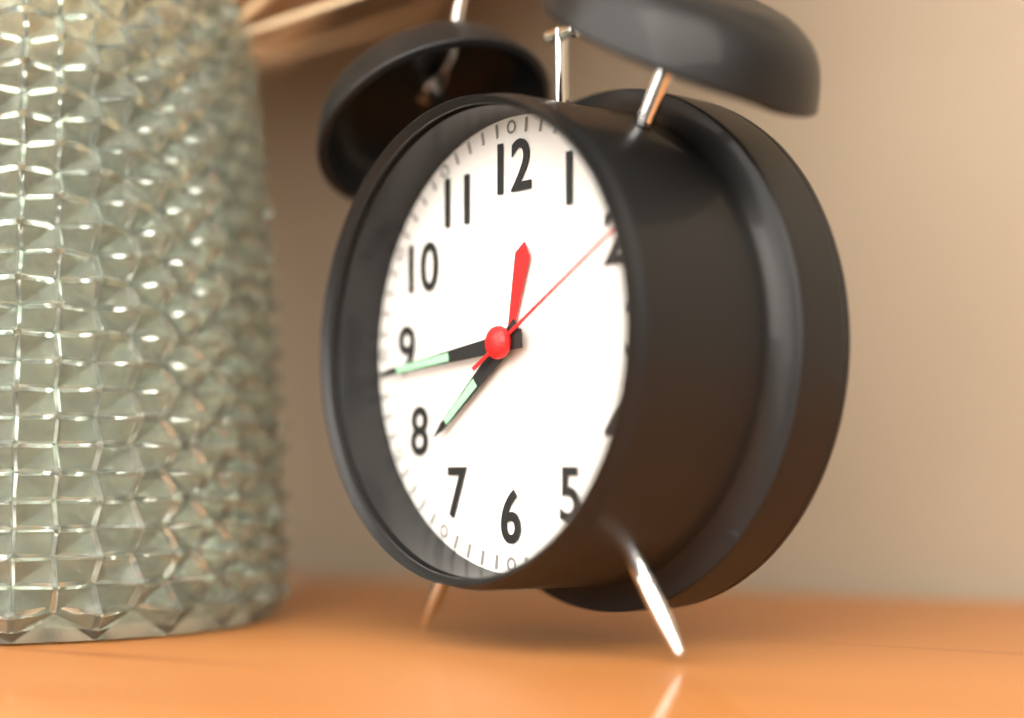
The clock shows 7:44:10
